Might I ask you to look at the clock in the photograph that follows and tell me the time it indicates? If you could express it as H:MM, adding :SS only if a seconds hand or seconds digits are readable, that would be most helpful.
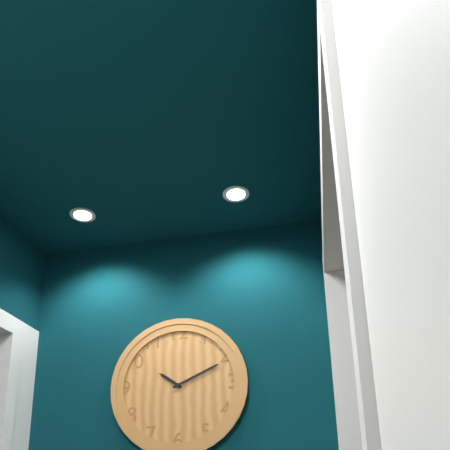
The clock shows 10:11
